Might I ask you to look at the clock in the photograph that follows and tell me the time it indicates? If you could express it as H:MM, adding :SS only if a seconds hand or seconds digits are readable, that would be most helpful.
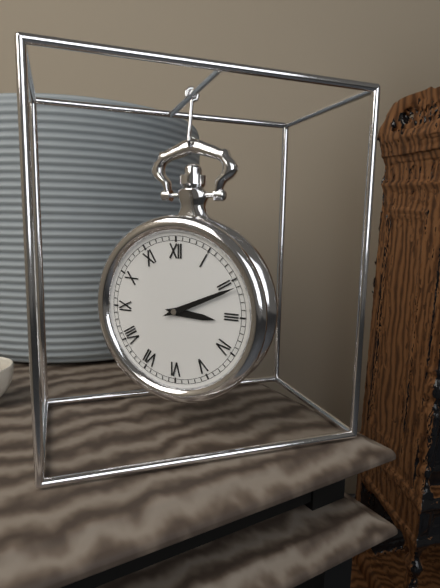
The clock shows 3:11
